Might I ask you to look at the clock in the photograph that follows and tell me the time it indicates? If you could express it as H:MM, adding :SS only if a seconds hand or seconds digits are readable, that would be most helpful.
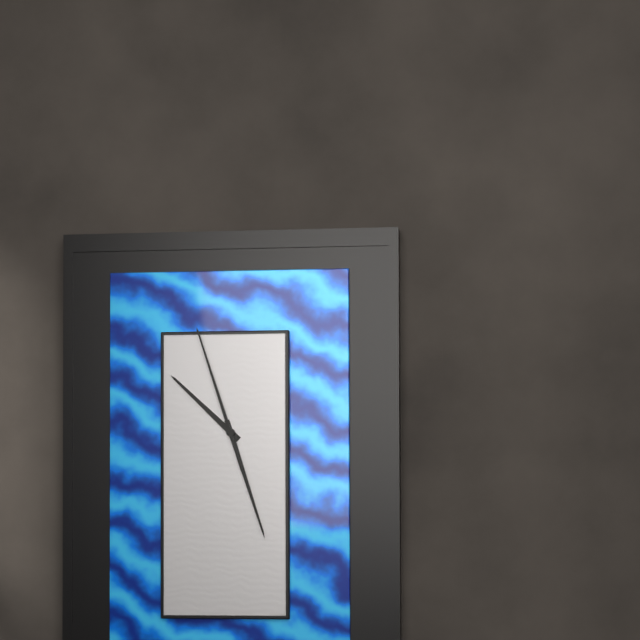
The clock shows 10:27:57
